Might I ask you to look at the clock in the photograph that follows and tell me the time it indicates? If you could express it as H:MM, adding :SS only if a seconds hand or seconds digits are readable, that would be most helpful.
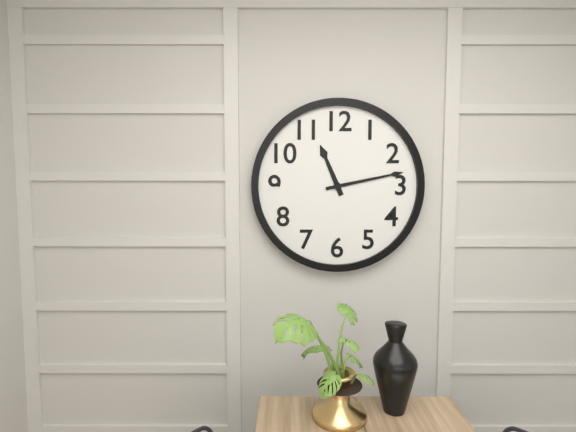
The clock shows 11:13
